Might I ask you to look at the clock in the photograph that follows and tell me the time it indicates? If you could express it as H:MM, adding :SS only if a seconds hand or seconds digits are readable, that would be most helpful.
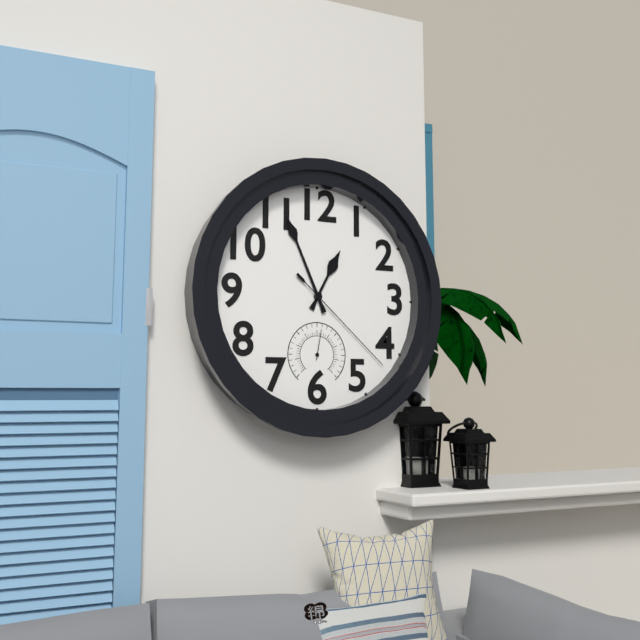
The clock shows 12:56:22
